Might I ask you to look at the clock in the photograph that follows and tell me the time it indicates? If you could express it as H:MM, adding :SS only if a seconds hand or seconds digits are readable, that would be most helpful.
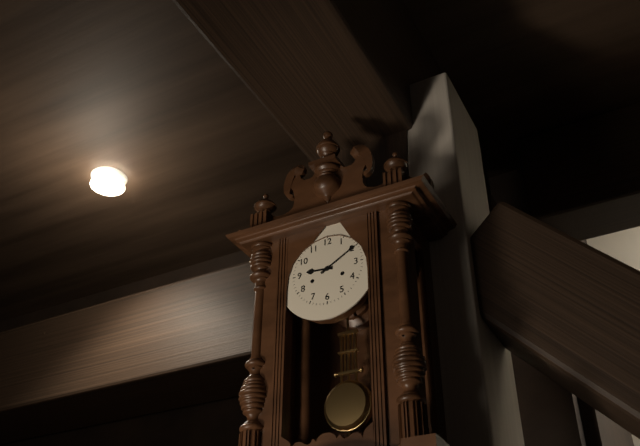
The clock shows 9:10
